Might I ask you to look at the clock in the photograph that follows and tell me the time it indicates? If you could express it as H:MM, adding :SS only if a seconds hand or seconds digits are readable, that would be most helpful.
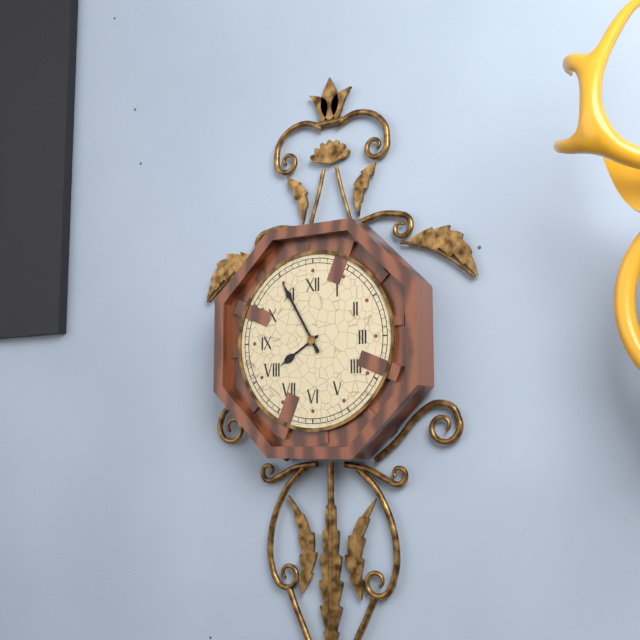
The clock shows 7:55
